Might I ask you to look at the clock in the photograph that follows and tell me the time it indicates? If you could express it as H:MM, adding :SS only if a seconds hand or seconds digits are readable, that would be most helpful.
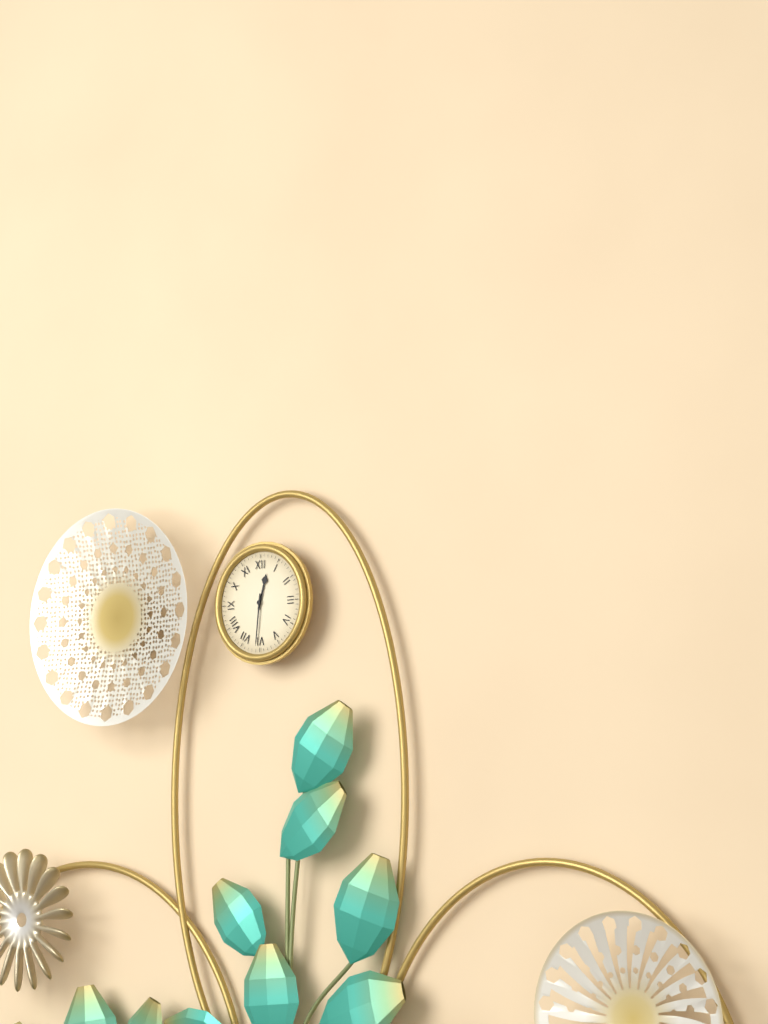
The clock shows 12:31
